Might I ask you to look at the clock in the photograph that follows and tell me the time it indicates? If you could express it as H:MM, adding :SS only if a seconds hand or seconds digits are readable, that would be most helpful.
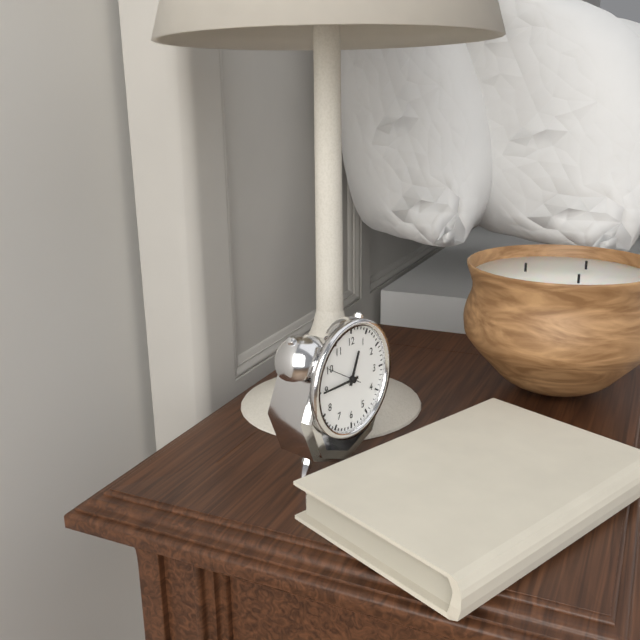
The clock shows 12:45
